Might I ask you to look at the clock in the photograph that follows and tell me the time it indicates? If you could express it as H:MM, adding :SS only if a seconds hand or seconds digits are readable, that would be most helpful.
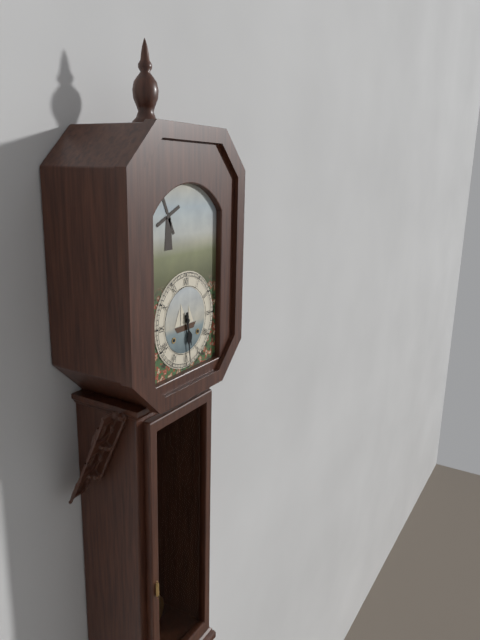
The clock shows 5:29
